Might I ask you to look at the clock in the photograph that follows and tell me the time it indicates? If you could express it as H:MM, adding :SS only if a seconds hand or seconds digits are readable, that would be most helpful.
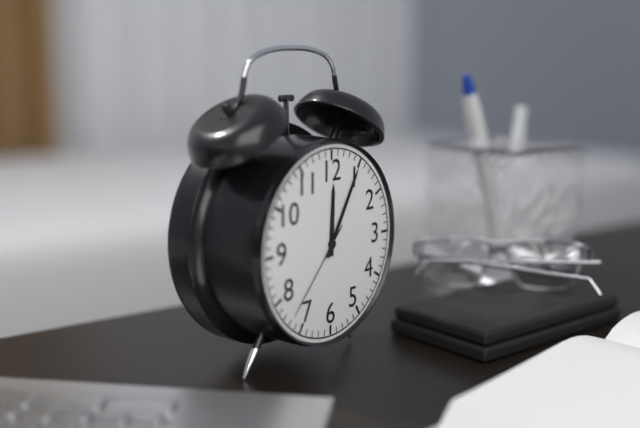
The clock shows 12:05:37
